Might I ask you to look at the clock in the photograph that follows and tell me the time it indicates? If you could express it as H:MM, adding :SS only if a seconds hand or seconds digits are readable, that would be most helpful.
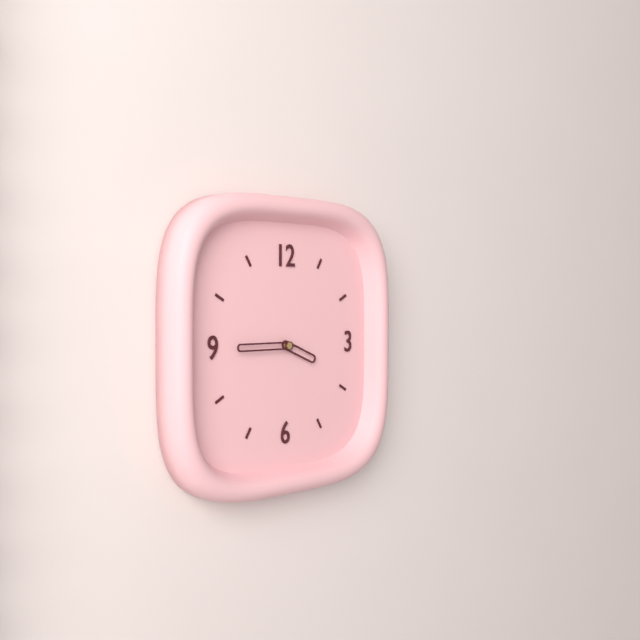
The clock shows 3:45
